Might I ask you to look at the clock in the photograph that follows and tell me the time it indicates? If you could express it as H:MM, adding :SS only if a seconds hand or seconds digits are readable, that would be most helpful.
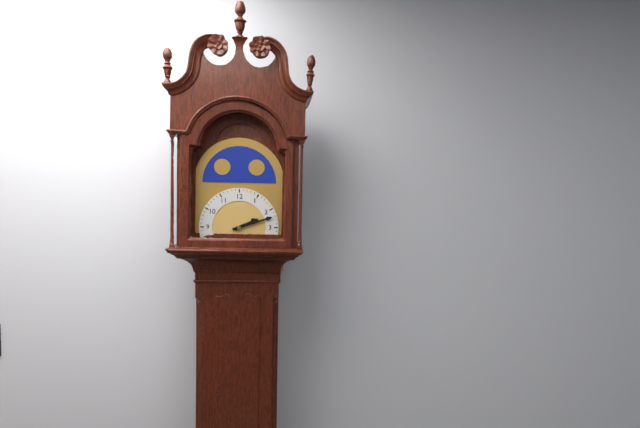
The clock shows 2:12
